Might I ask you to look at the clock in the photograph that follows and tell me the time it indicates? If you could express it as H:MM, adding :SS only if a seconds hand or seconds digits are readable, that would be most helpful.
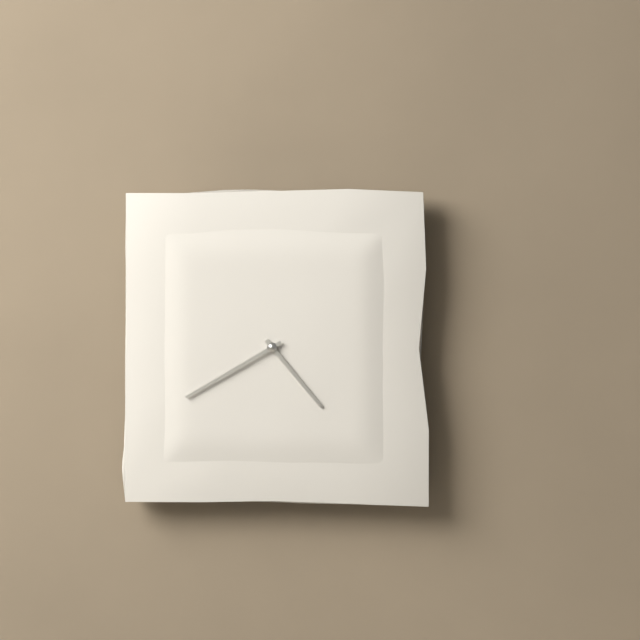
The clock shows 4:40
